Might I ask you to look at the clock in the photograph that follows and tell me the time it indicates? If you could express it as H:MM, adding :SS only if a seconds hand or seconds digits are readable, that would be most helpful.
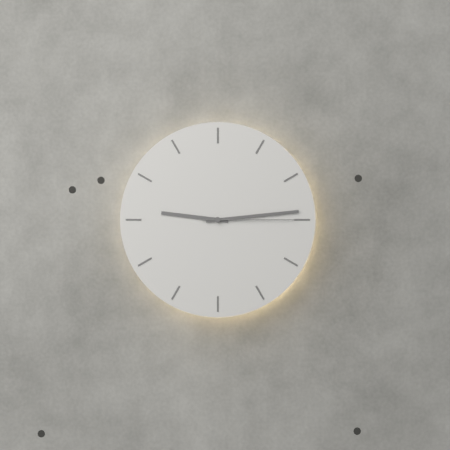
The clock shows 9:14:15
